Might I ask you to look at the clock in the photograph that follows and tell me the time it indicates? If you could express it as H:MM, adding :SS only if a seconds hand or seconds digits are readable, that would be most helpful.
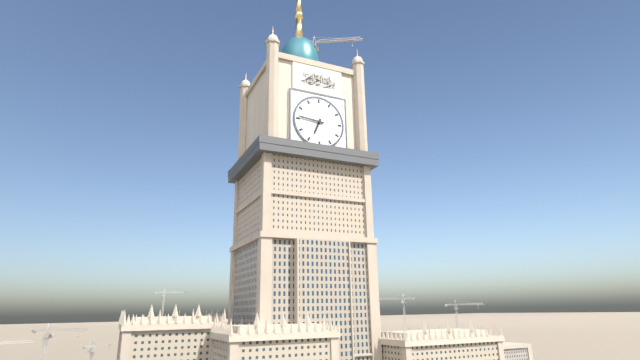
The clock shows 6:46
